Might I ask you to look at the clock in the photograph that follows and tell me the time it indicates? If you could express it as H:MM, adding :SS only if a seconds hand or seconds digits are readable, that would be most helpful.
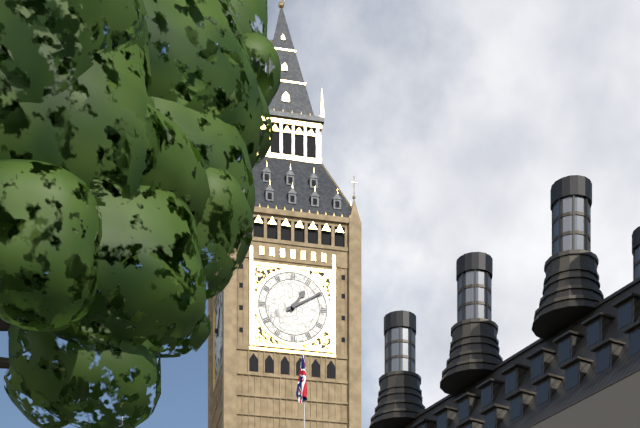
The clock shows 1:10
